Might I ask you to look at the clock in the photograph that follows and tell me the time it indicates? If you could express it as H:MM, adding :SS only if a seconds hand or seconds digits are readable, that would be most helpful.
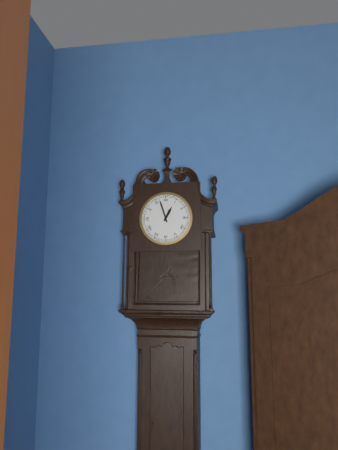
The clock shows 12:57
